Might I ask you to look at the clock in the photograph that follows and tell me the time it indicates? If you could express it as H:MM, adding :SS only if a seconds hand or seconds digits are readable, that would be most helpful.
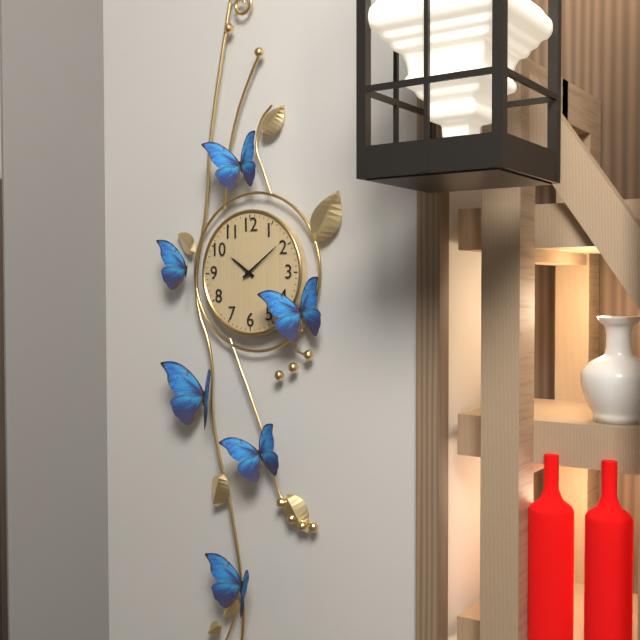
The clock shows 10:09
